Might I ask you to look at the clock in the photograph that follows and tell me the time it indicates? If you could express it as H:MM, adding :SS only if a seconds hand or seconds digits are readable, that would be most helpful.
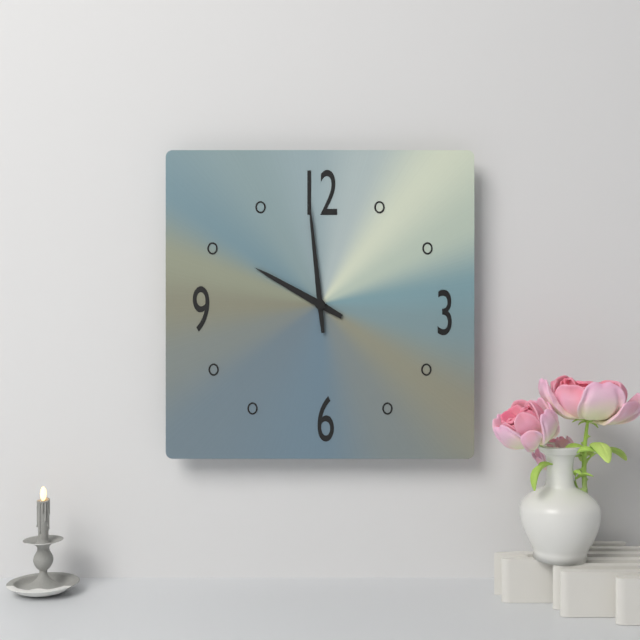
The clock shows 9:59
